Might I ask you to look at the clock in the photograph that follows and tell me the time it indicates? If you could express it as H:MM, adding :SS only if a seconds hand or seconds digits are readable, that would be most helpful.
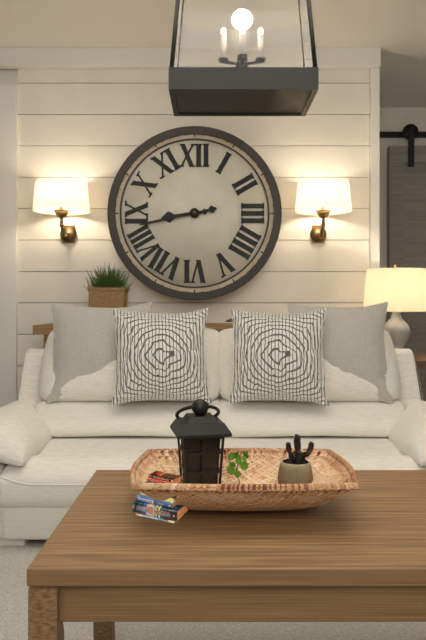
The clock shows 8:43
